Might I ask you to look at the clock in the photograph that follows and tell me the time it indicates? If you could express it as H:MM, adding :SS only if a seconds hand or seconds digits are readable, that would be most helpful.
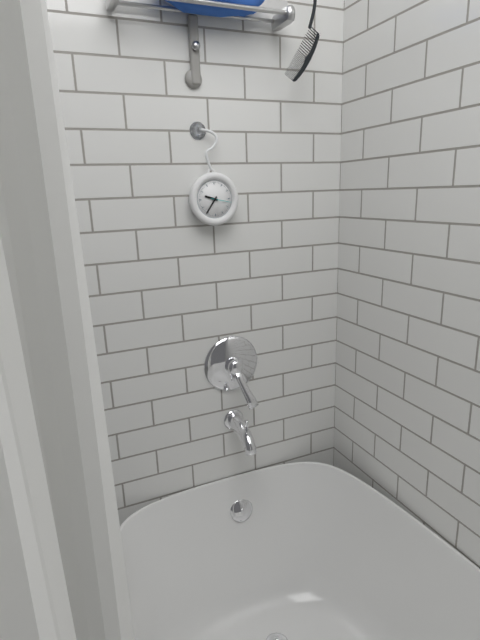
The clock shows 9:36
